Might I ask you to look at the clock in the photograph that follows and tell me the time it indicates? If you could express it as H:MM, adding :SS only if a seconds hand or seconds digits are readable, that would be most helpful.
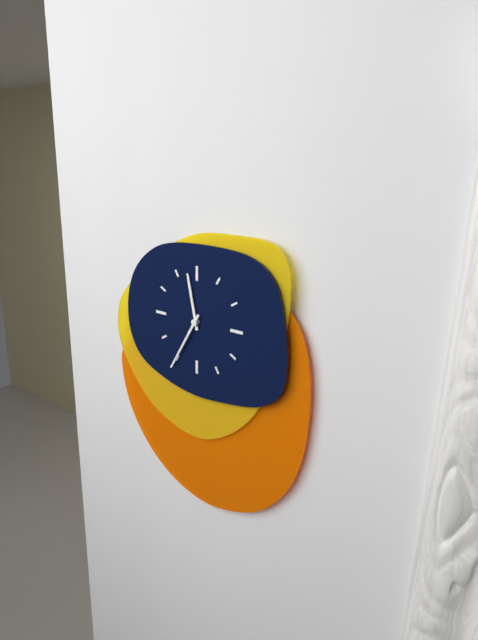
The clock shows 11:35
